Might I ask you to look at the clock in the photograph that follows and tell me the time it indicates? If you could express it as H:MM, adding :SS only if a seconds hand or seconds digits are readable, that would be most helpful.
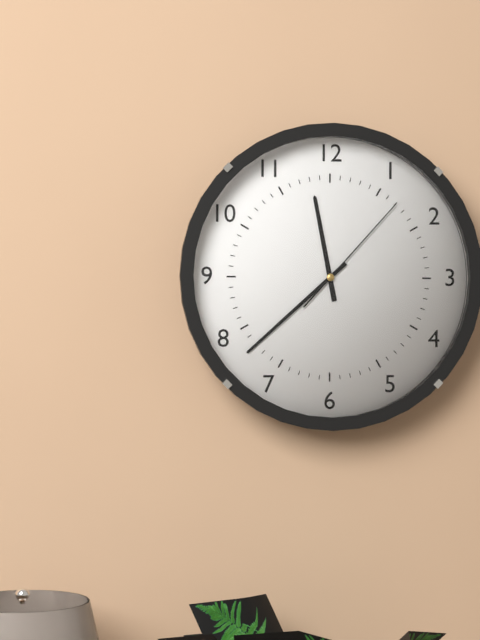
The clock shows 11:38:07
